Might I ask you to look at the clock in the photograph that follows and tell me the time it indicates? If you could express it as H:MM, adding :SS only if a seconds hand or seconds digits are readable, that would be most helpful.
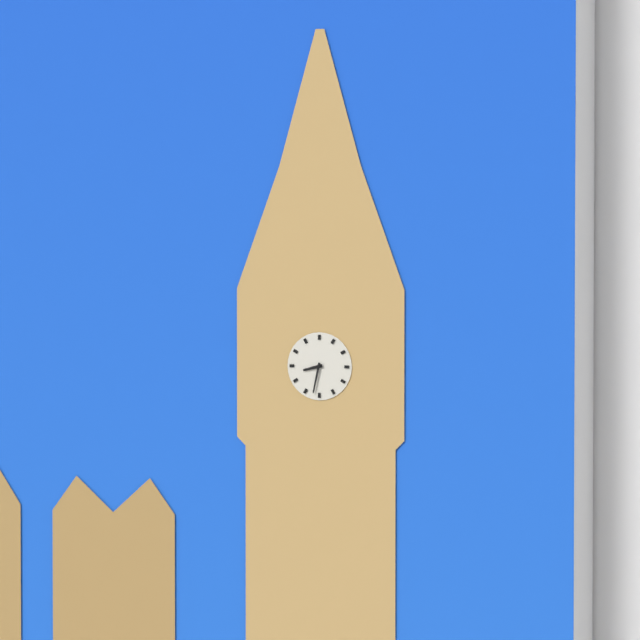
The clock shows 8:32
